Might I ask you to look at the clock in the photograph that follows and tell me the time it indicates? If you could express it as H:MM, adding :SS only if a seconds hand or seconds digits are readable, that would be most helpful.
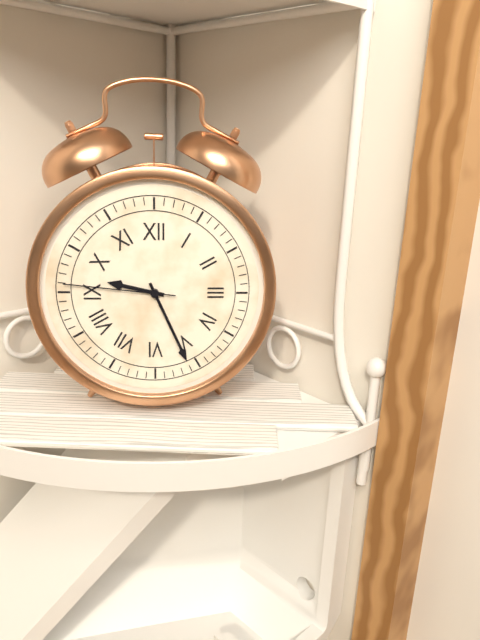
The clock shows 9:26:46
